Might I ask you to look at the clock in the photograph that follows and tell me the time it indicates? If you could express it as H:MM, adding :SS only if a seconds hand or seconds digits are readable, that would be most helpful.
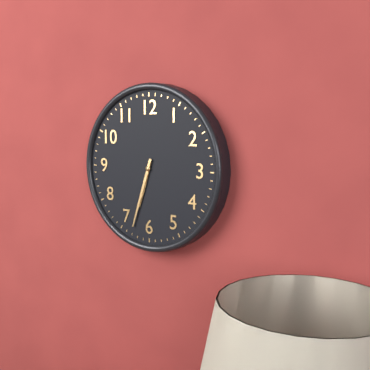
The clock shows 6:33
